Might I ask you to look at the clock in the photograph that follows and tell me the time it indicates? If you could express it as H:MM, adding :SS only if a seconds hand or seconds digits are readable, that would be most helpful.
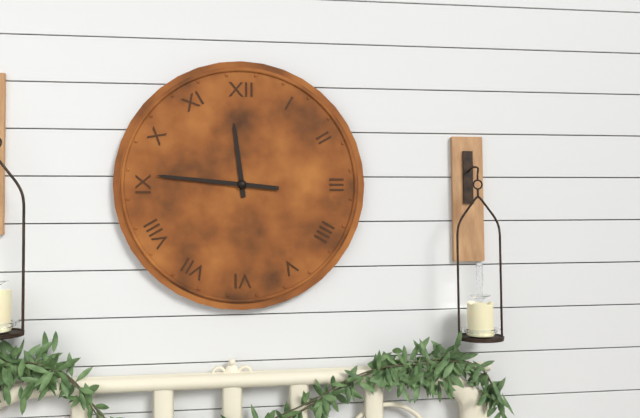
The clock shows 11:46
